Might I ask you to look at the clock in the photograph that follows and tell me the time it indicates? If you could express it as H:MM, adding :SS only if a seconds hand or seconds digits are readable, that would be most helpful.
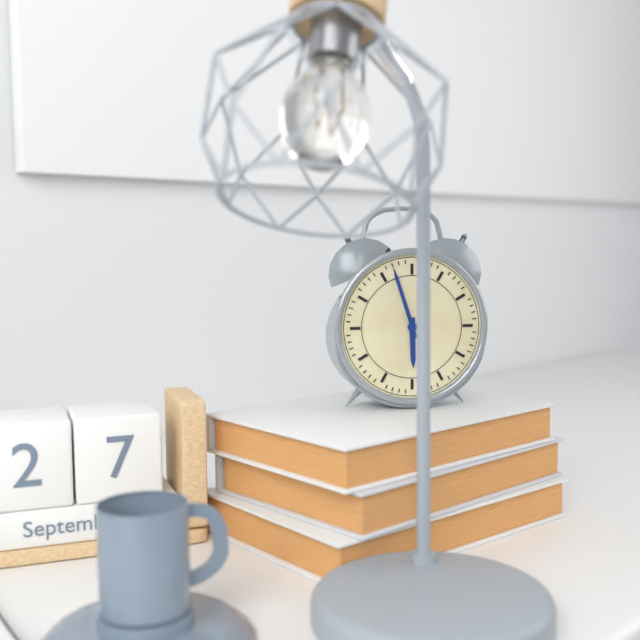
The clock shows 5:57
